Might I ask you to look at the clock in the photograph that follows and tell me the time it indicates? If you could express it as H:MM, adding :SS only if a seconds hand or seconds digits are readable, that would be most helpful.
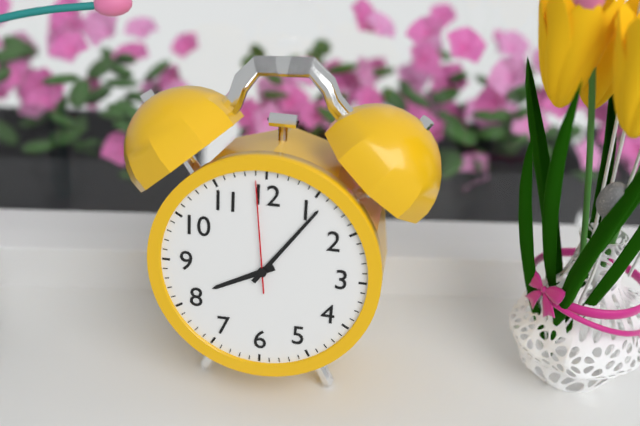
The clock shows 8:06:59
